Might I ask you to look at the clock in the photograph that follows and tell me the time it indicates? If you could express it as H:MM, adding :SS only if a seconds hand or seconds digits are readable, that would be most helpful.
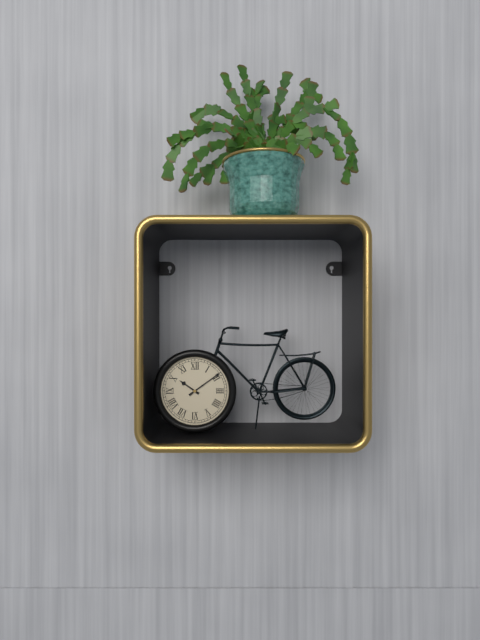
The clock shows 10:09
